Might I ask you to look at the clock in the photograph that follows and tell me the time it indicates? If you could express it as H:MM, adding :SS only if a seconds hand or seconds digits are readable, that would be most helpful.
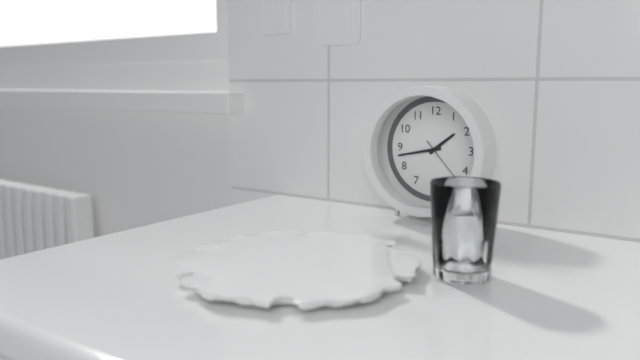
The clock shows 1:43:23
